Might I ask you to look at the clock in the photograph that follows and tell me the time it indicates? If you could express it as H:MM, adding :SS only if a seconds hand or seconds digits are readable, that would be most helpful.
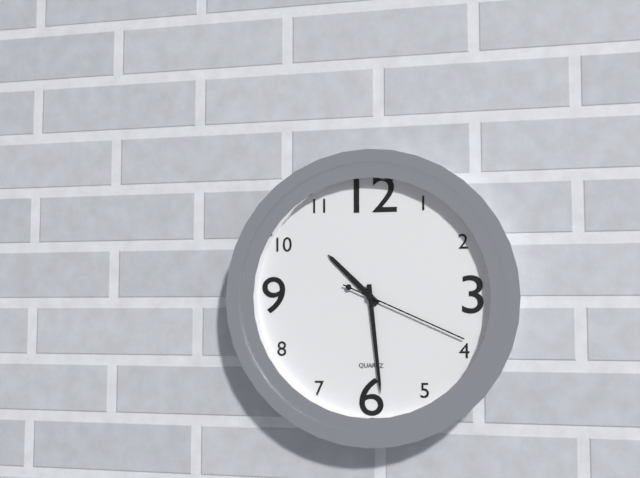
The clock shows 10:29:19
